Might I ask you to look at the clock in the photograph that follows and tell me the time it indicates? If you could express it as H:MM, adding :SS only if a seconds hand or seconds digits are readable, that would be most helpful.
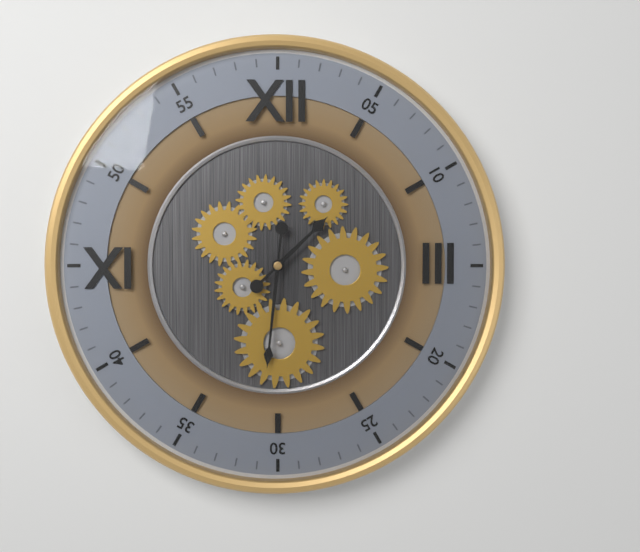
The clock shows 1:31
